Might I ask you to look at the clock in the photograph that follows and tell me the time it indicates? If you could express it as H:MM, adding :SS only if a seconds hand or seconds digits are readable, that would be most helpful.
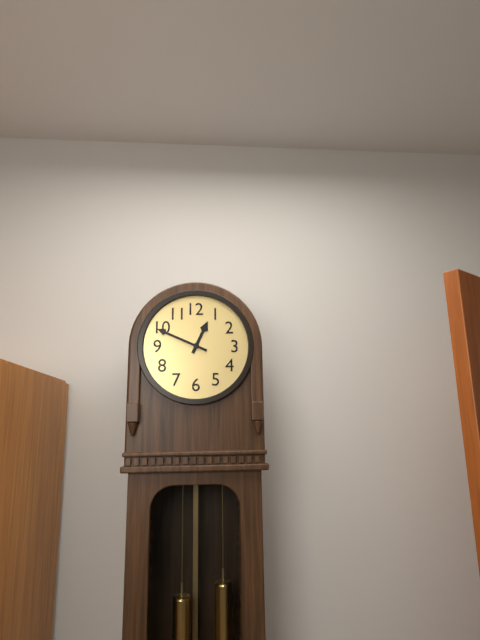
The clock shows 12:49
